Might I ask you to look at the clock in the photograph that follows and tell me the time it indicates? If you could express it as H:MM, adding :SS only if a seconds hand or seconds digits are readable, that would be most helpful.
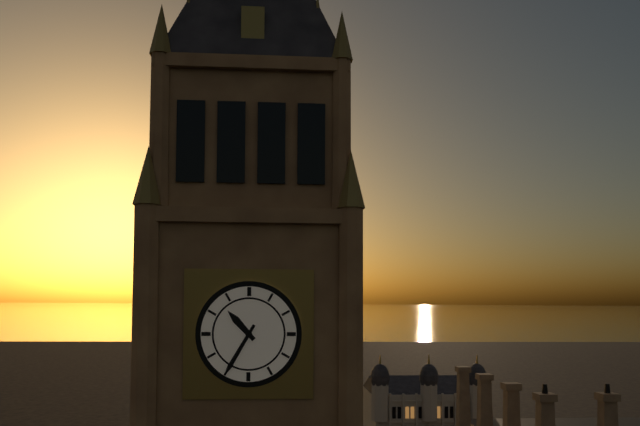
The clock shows 10:35
